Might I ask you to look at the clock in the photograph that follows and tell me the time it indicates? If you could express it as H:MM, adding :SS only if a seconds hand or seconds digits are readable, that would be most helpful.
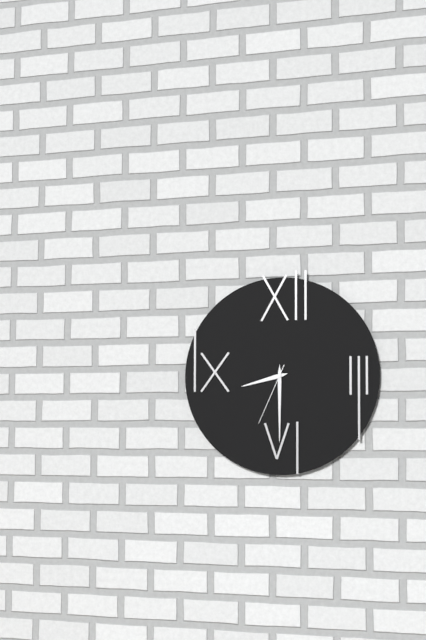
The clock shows 8:30:34
